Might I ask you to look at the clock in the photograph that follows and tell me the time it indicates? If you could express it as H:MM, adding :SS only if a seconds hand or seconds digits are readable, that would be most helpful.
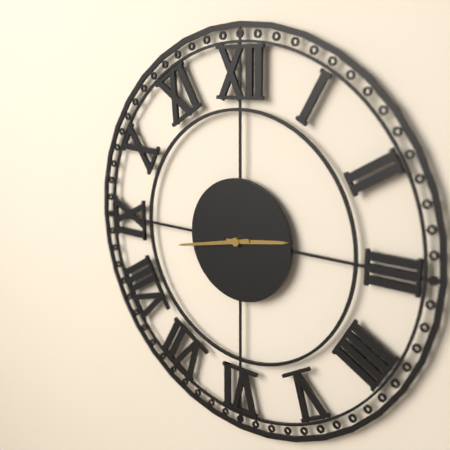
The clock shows 2:43
